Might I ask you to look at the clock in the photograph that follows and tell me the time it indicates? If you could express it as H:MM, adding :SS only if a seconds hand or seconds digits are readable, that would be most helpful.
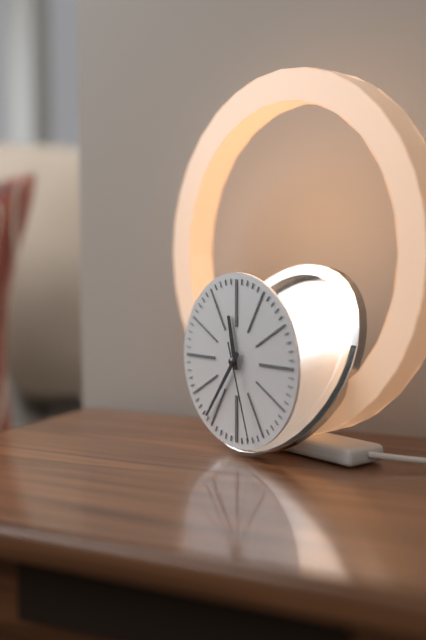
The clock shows 11:36:27
